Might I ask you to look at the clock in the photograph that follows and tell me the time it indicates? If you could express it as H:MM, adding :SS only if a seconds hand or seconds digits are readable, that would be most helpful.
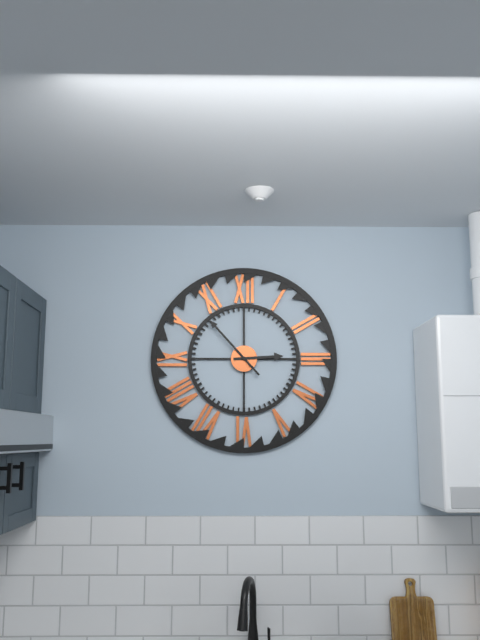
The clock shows 2:53
